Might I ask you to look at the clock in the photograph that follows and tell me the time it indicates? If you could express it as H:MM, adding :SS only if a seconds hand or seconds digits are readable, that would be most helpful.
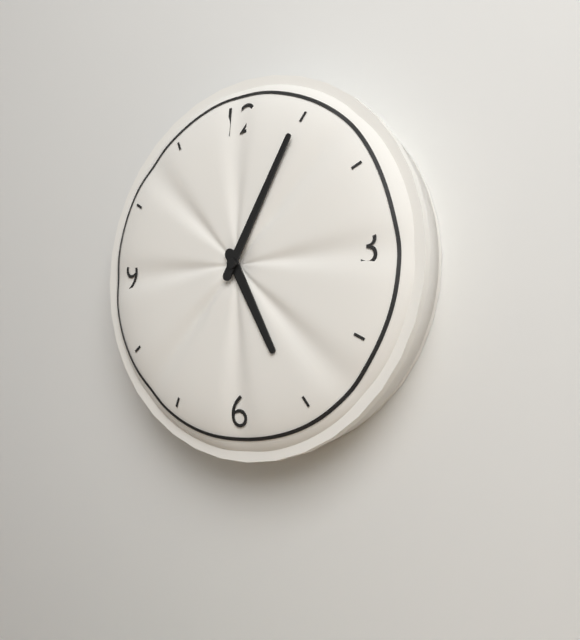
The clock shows 5:05
